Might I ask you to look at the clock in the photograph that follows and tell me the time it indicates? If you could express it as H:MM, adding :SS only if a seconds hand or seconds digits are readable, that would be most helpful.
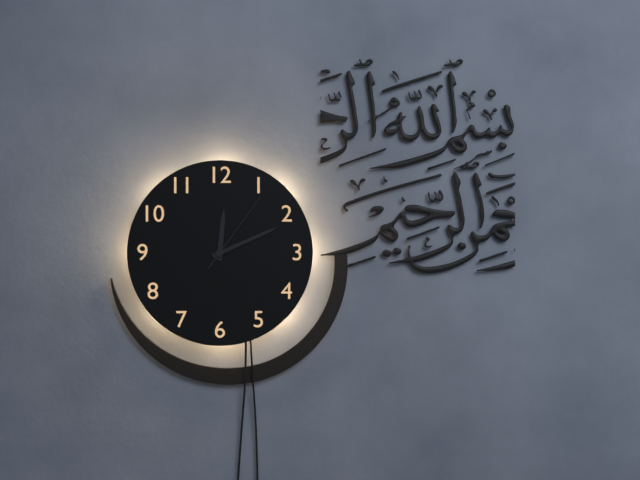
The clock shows 12:11:06
